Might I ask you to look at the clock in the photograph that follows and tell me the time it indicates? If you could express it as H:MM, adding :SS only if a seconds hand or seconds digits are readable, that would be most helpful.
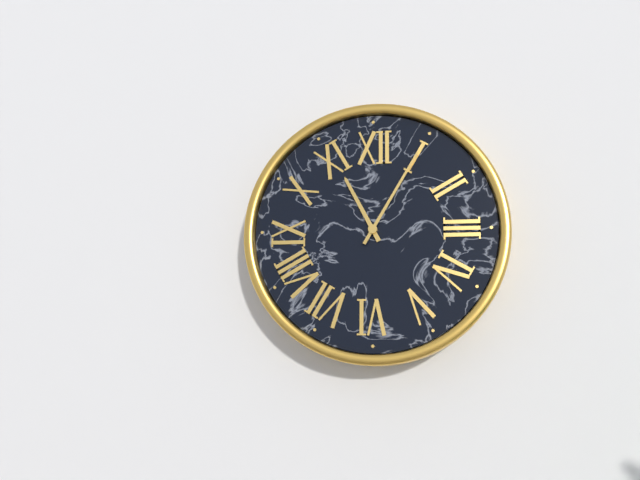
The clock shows 11:05
